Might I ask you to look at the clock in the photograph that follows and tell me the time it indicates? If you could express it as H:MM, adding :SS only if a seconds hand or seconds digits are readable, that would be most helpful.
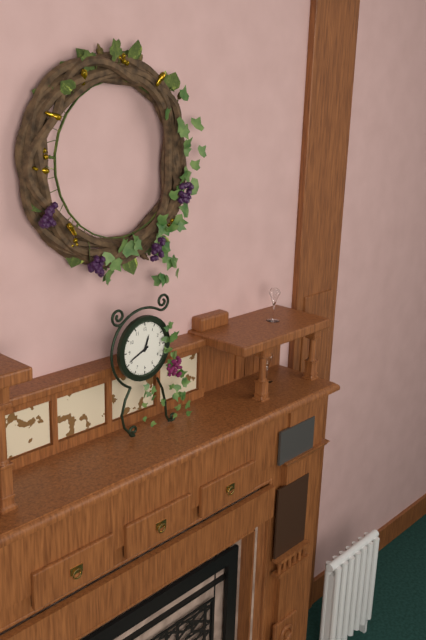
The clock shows 12:41
